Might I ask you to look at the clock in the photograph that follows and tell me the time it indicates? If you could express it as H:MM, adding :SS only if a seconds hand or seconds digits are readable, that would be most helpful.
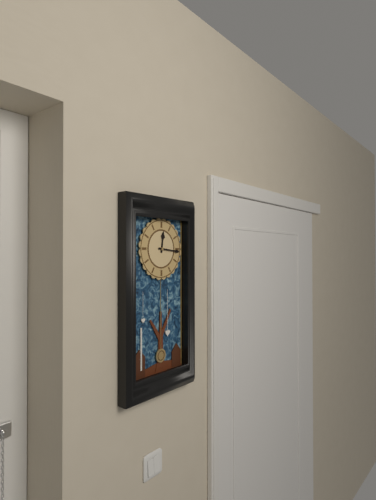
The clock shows 12:16
